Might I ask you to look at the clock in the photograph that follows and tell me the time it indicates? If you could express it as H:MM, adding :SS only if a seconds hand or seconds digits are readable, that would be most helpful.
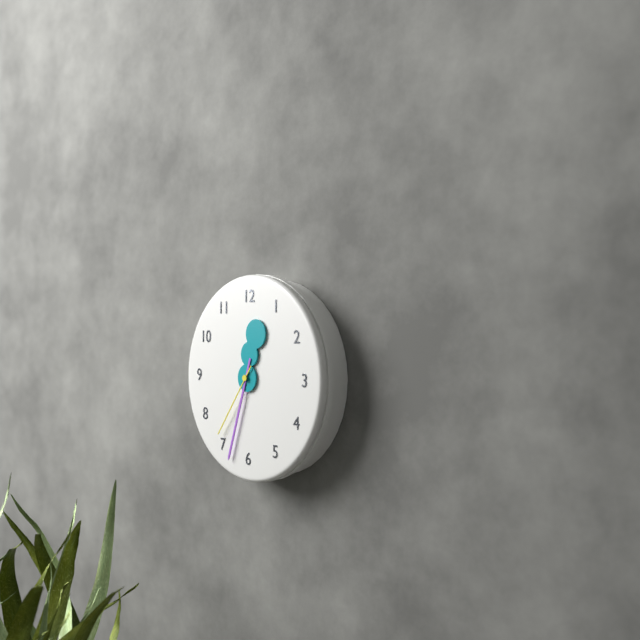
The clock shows 12:33:36
